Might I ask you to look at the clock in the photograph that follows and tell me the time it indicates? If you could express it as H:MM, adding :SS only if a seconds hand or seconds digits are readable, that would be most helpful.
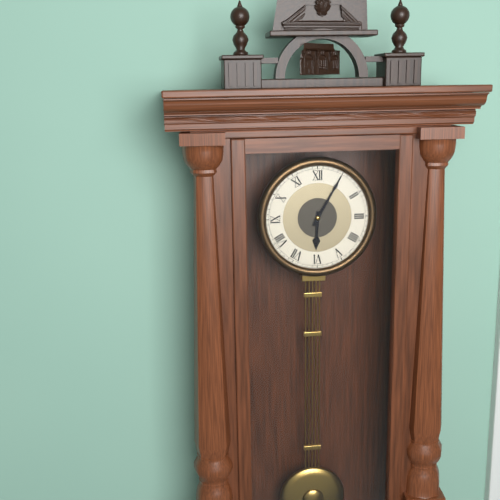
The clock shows 6:05
